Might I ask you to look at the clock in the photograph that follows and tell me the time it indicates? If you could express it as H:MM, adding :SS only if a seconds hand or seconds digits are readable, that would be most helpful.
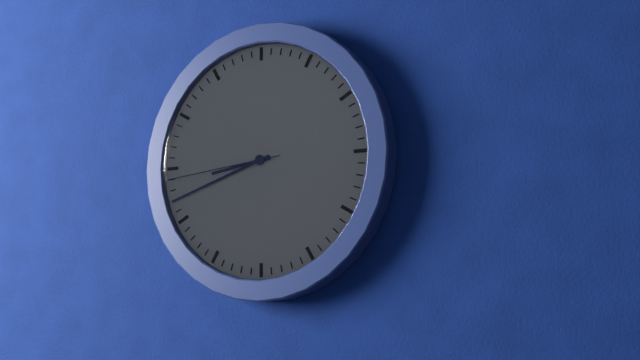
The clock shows 8:42:44
